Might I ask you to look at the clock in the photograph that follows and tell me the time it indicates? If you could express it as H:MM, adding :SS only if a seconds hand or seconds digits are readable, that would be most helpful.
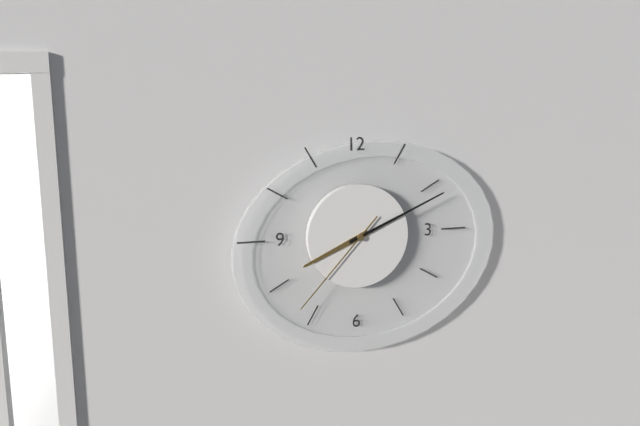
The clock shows 8:11:37
